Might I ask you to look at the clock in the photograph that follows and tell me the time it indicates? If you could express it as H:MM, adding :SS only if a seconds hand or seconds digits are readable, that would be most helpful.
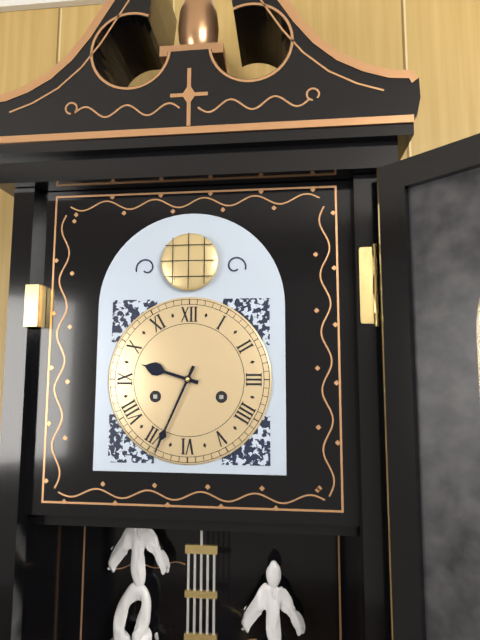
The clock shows 9:34
